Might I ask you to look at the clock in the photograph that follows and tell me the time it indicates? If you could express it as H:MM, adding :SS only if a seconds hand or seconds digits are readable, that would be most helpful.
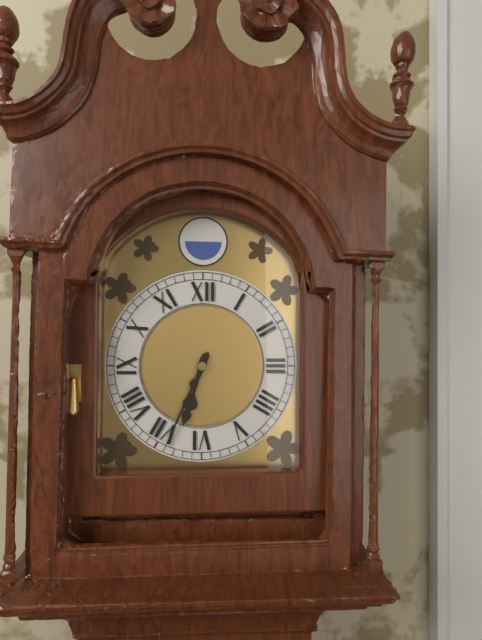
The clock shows 6:34
